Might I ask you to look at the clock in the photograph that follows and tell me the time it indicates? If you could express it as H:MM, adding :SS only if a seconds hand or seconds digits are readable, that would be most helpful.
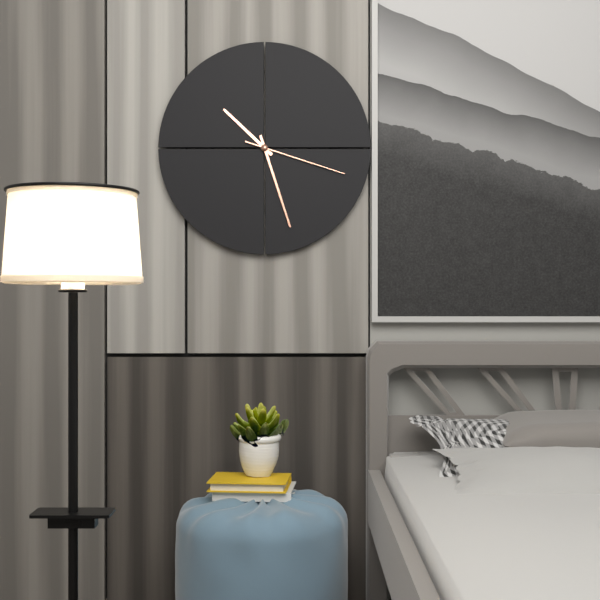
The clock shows 10:27:18
